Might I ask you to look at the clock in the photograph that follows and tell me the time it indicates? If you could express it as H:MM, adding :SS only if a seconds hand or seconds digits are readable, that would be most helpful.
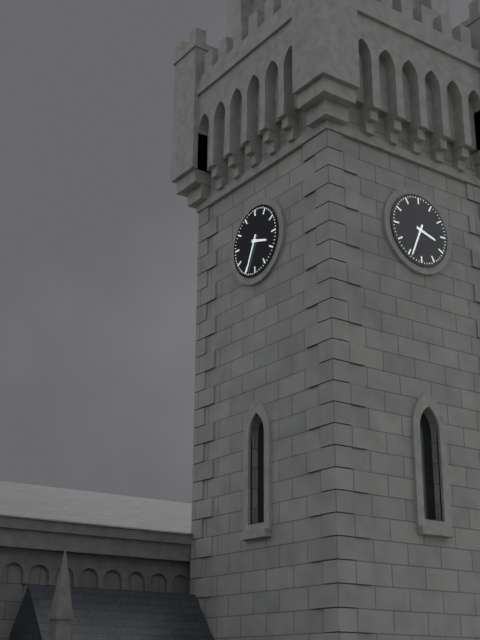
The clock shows 3:34
